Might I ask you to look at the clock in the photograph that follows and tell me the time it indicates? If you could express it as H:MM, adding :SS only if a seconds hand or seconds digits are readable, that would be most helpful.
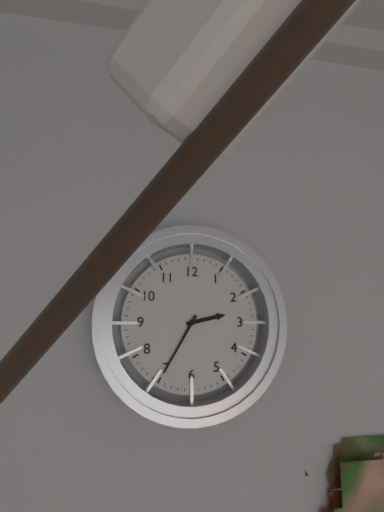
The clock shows 2:35
